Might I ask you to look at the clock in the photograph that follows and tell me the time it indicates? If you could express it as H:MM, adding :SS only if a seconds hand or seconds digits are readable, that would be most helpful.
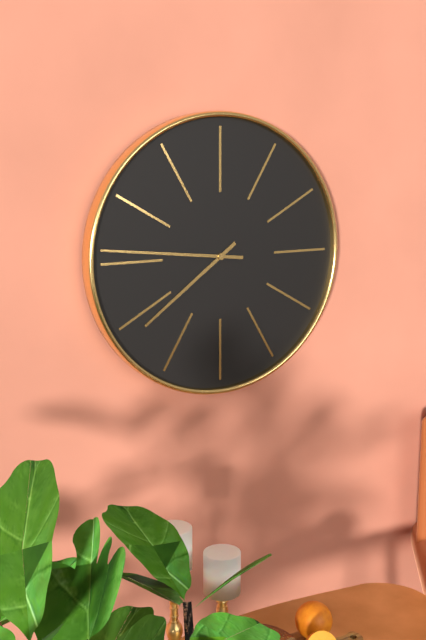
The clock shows 7:46
